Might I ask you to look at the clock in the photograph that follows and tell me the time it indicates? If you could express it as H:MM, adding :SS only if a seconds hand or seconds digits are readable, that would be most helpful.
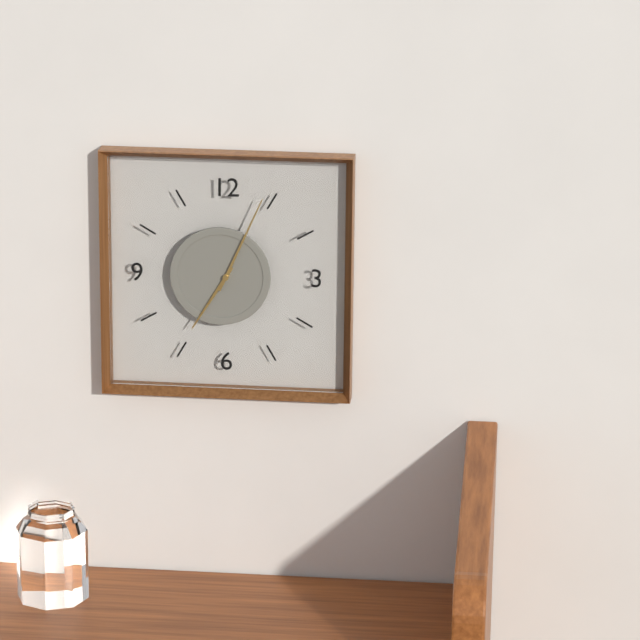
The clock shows 7:04
